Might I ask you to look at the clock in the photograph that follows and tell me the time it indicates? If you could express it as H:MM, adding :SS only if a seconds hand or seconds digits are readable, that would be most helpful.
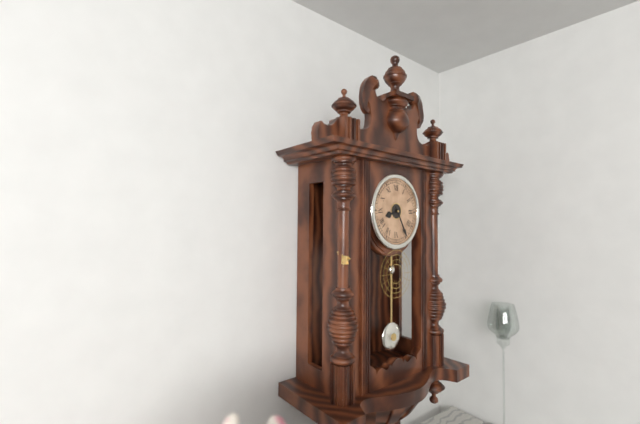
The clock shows 8:25
